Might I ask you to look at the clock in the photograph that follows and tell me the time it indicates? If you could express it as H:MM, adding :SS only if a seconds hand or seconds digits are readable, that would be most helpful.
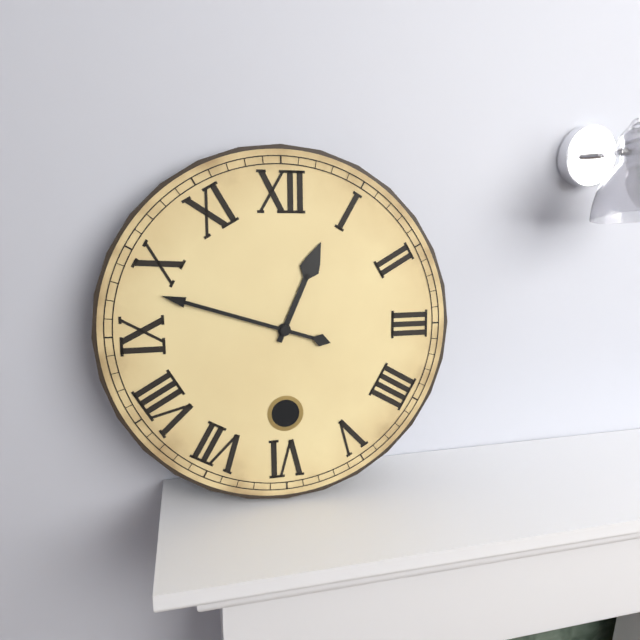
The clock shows 12:48
